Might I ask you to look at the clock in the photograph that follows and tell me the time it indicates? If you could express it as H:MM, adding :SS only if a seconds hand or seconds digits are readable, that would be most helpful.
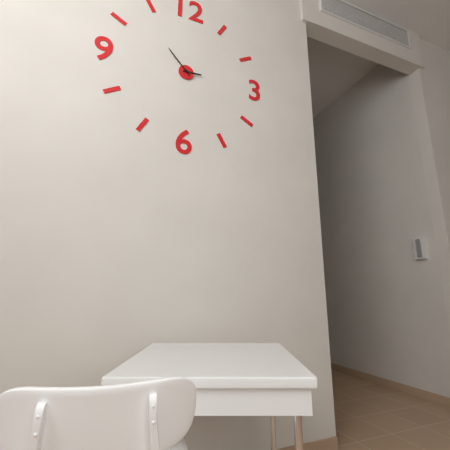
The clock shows 2:53
